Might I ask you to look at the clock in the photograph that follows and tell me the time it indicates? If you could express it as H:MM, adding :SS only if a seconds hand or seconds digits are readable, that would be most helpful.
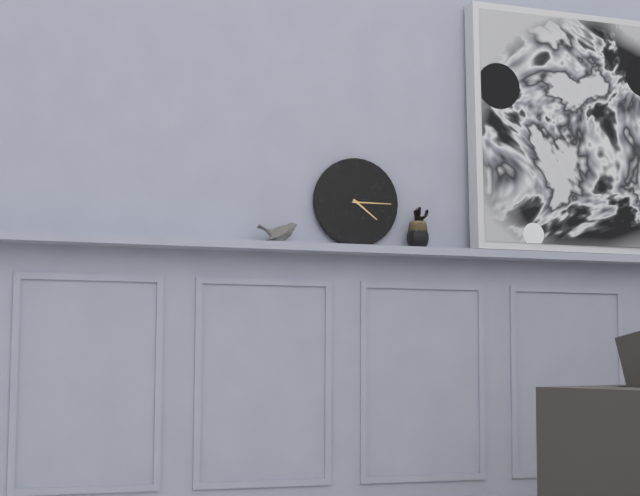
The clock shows 4:15
